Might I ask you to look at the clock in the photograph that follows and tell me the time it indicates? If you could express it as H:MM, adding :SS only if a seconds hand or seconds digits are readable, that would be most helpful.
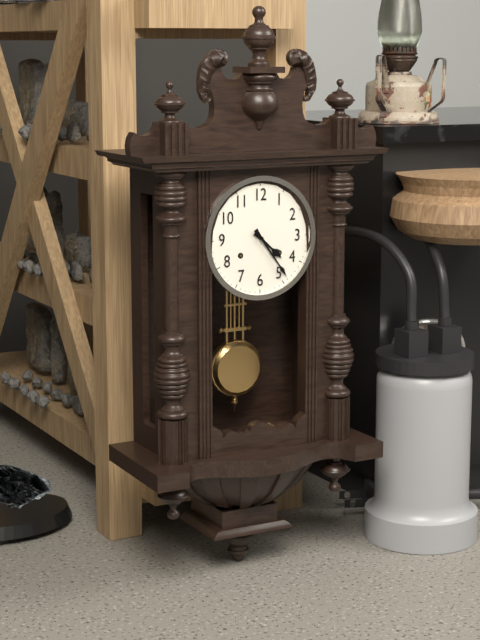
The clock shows 4:24
